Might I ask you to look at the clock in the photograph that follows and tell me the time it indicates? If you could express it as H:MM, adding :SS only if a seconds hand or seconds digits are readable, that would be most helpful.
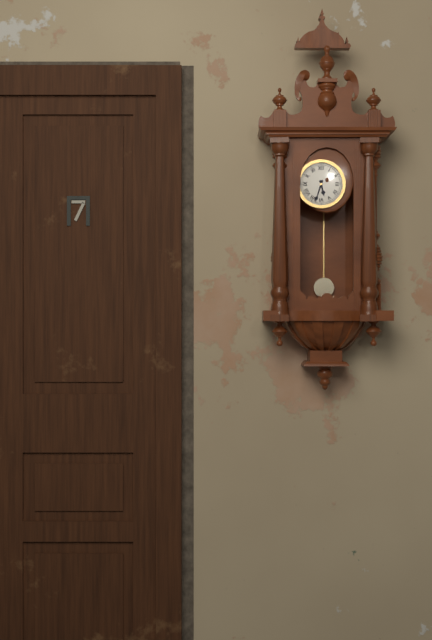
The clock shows 5:33
